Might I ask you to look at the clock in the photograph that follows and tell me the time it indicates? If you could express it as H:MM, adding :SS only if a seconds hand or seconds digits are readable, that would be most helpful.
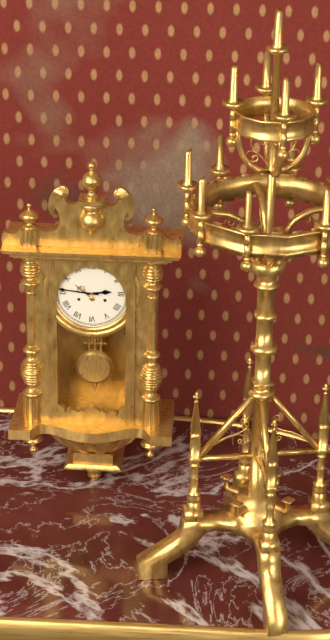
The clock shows 2:46
